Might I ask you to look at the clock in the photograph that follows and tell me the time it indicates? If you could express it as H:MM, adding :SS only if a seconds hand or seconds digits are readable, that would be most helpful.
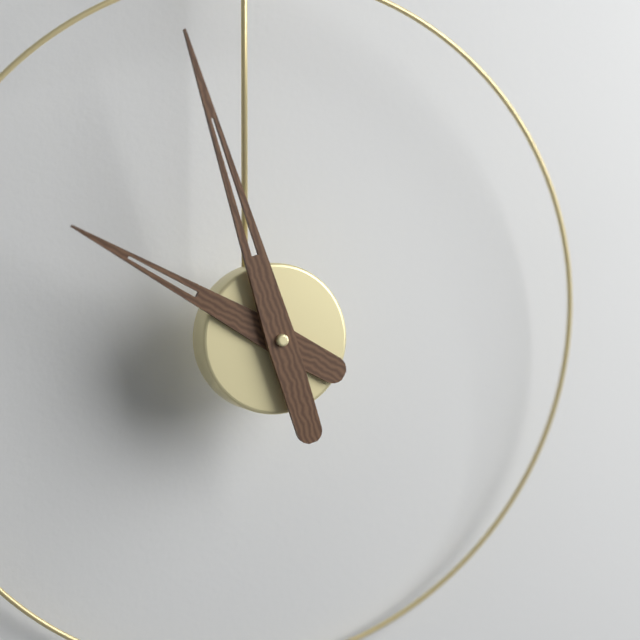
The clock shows 9:57
